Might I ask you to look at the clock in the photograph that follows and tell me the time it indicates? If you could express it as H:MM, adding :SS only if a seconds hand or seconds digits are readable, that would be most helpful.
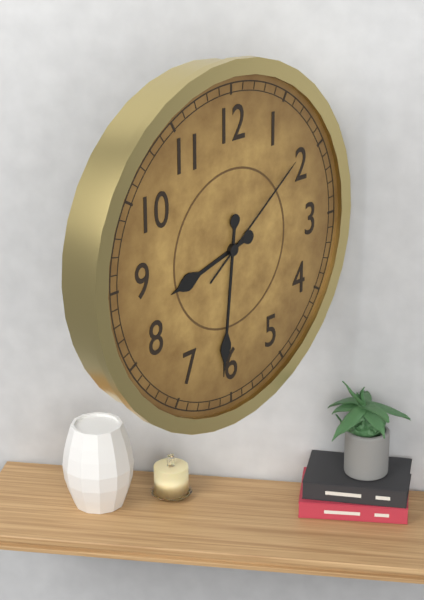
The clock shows 8:31:09
